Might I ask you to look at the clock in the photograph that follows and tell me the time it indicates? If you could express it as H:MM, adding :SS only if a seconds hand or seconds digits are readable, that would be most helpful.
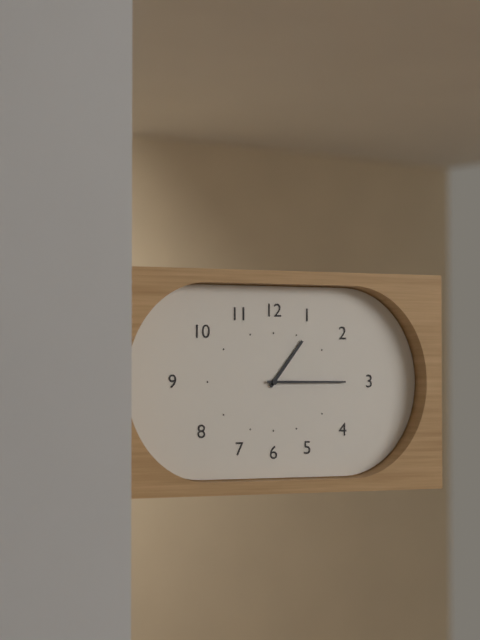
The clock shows 1:15
